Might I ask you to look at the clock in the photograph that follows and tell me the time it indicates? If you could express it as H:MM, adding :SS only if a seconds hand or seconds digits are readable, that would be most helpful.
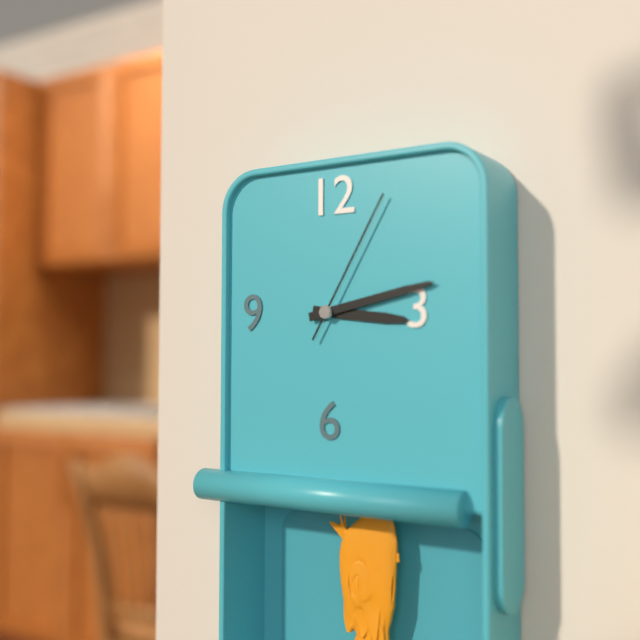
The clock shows 3:13:05
